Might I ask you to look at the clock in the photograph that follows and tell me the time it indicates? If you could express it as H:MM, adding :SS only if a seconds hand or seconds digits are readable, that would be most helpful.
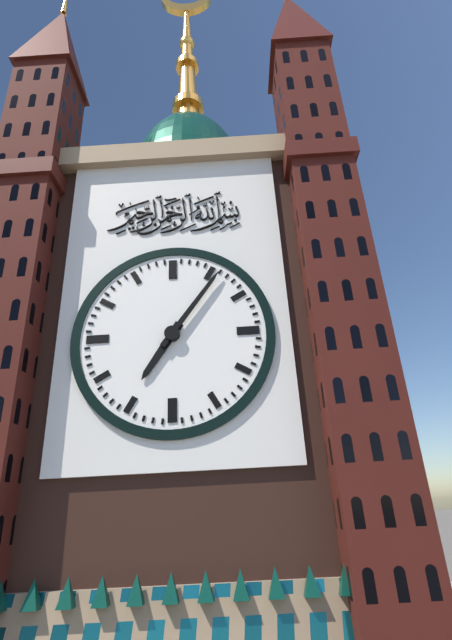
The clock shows 7:06
